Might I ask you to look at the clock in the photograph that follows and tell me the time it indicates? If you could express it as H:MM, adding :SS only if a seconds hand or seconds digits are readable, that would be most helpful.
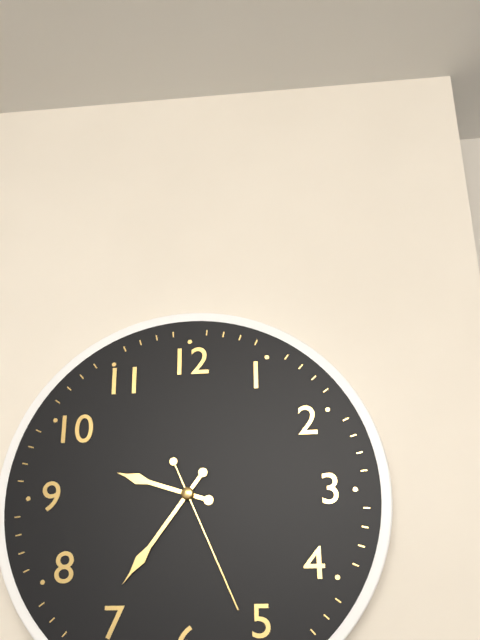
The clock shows 9:36:26
